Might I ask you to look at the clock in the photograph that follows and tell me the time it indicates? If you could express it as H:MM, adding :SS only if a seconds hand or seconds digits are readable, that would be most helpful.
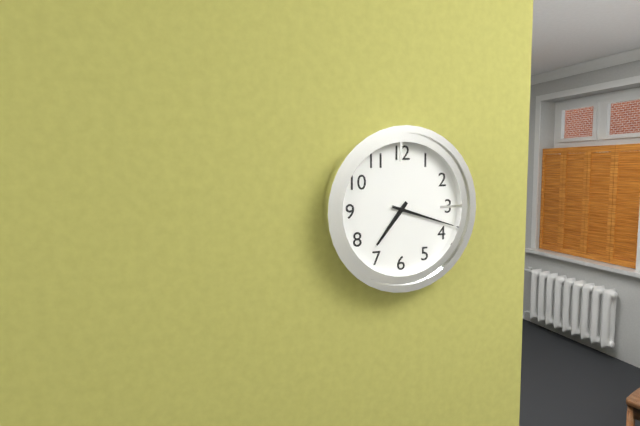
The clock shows 7:18
